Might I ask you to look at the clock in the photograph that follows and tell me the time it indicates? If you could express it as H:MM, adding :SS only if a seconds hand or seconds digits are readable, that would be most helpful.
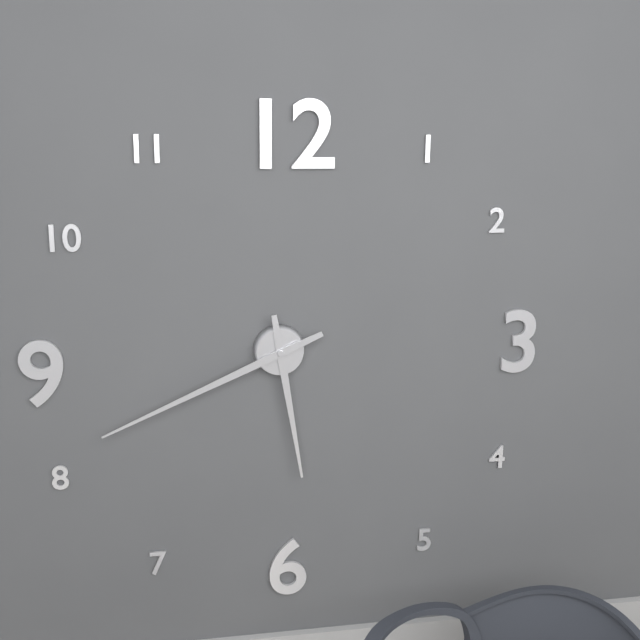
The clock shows 5:41
